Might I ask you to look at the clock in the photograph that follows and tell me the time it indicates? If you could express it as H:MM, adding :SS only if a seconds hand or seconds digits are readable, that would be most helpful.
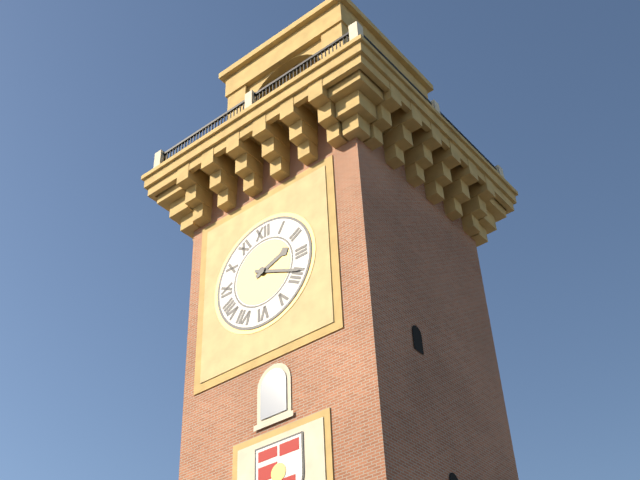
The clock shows 2:19
